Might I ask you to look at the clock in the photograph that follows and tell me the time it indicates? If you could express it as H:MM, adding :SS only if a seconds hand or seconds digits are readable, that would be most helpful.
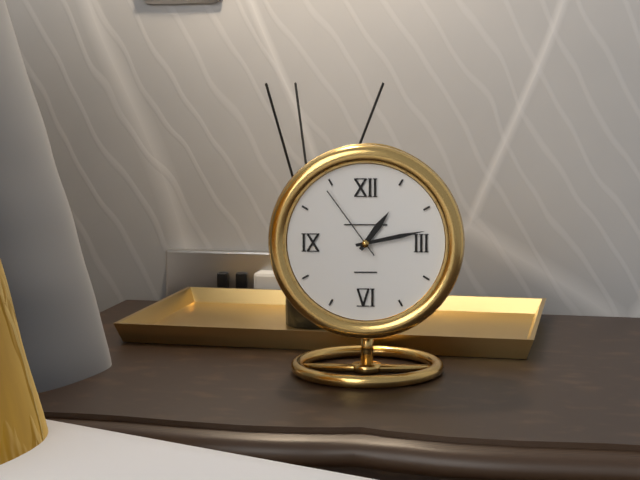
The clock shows 1:13:54
